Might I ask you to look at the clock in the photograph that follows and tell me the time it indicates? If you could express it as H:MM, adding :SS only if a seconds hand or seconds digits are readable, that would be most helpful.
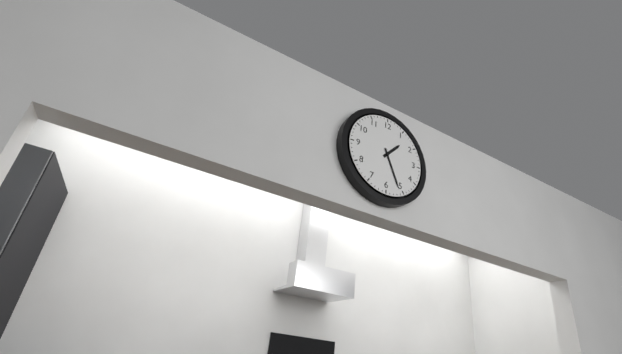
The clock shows 1:26
